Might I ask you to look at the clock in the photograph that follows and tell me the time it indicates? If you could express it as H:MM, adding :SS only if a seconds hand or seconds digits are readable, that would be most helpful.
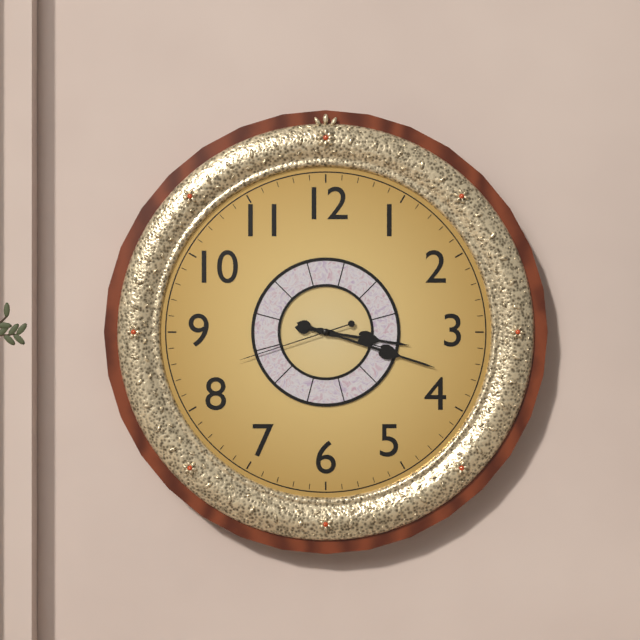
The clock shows 3:18:42
